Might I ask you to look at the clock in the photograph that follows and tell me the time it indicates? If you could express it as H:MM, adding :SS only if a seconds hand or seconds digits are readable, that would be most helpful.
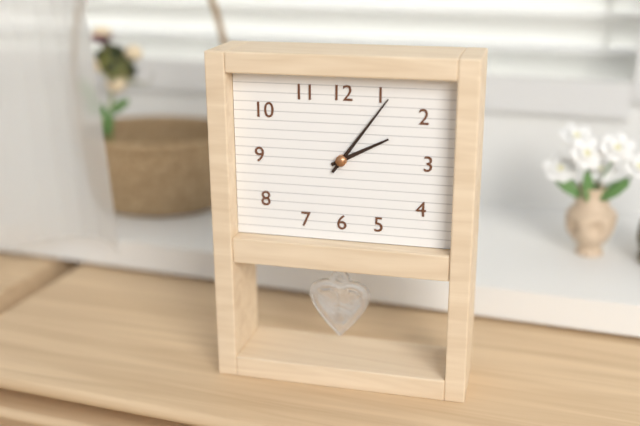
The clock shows 2:06
